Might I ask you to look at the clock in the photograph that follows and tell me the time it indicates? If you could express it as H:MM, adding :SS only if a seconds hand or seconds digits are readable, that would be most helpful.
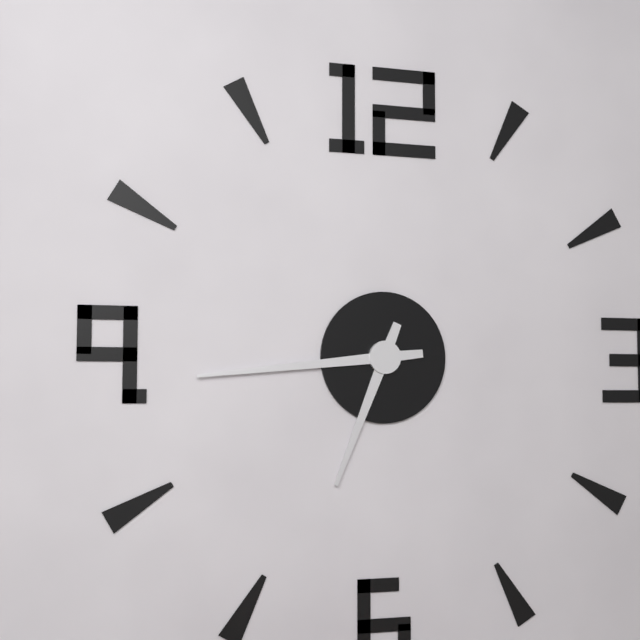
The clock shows 6:44
